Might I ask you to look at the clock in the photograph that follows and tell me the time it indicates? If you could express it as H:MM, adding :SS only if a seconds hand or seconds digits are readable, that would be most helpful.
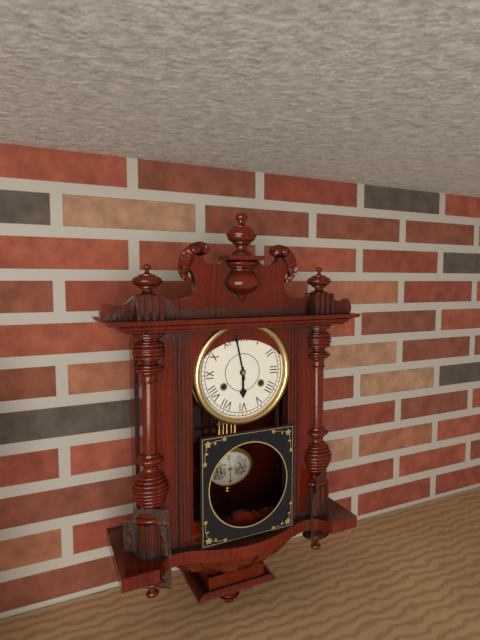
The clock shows 5:58
